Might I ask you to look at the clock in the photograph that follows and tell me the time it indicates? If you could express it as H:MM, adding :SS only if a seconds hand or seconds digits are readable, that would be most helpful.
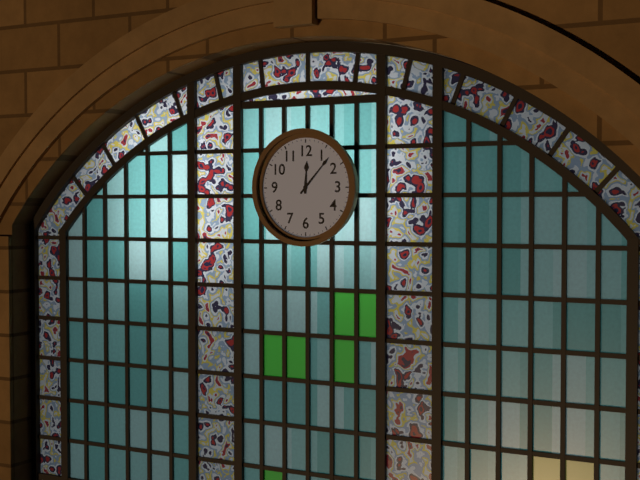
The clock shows 12:07
